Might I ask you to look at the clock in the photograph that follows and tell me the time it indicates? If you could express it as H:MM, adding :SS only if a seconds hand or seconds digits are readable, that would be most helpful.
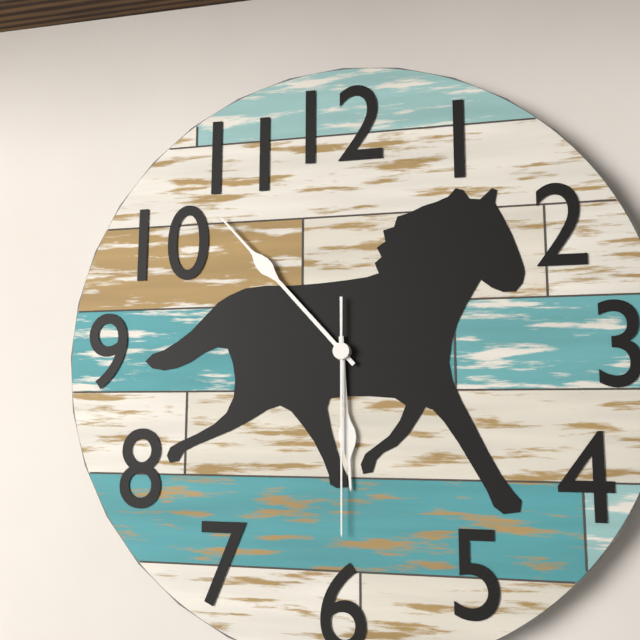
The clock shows 5:53:30
